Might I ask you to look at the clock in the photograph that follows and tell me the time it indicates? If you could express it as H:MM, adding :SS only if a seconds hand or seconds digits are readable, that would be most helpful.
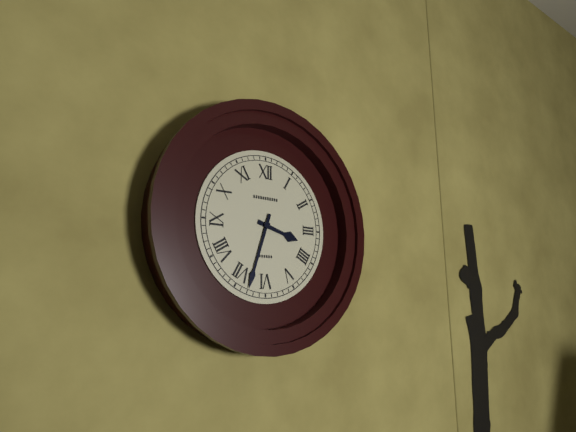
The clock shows 3:33
